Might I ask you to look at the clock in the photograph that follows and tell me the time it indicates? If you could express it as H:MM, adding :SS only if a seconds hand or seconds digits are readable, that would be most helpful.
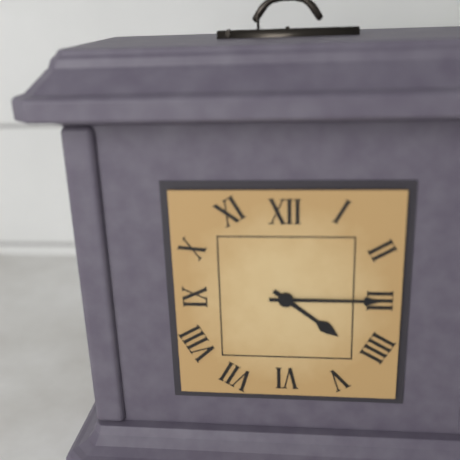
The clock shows 4:15
